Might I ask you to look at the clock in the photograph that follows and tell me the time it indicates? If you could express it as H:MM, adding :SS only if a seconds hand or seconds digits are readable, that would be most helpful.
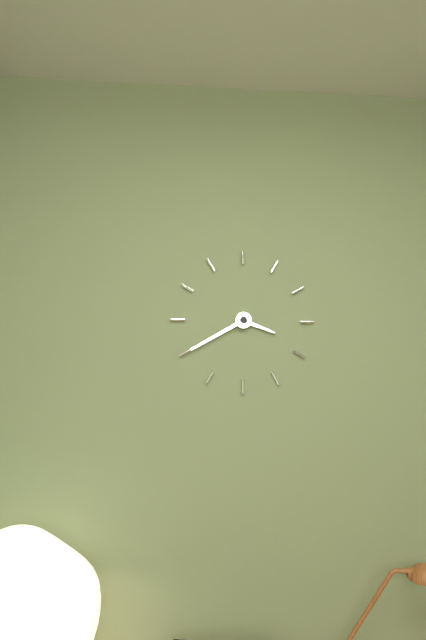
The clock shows 3:40
